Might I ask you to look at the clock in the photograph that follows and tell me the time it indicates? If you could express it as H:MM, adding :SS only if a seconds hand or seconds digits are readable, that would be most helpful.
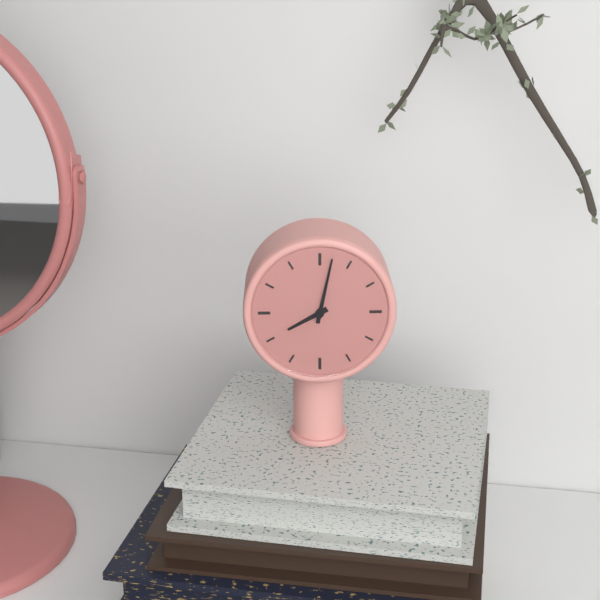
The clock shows 8:02
